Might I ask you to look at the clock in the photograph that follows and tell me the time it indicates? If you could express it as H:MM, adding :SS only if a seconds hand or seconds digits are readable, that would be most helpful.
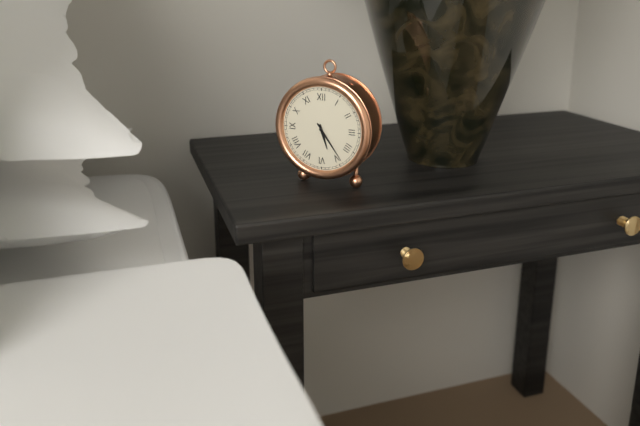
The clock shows 5:24
